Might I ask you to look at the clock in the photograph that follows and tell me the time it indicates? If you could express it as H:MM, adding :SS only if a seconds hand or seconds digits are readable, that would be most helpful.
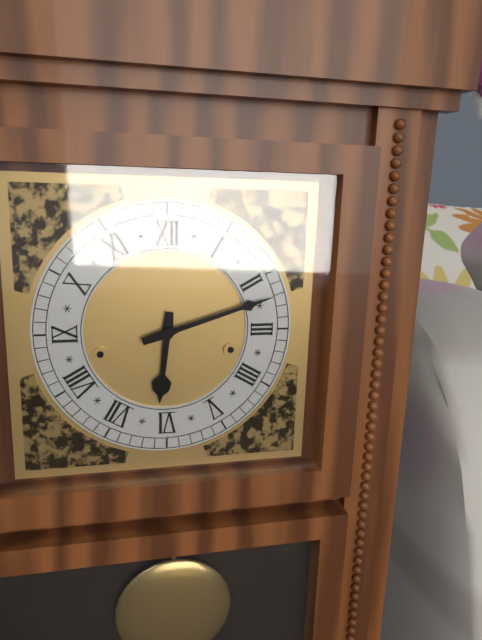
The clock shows 6:12
